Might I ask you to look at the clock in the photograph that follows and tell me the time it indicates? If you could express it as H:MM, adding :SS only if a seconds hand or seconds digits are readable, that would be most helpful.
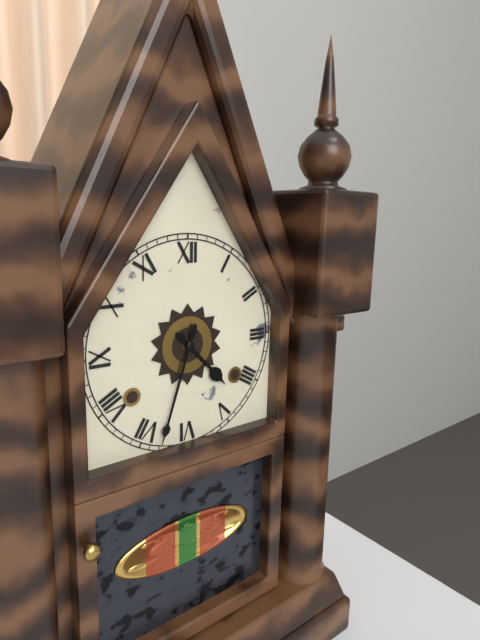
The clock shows 4:33
